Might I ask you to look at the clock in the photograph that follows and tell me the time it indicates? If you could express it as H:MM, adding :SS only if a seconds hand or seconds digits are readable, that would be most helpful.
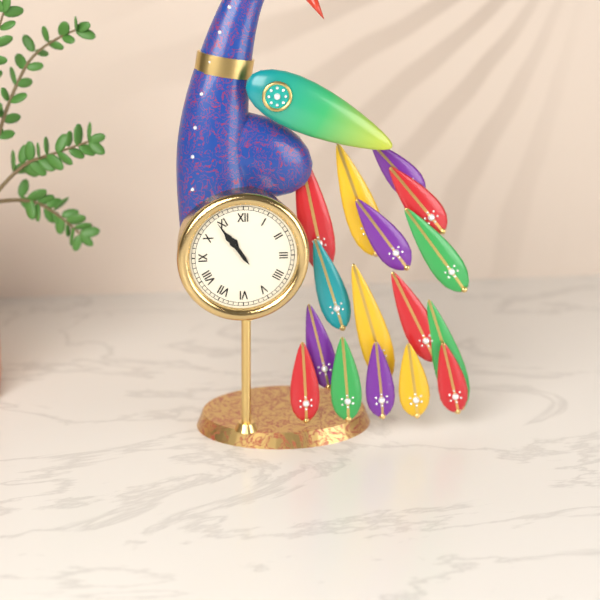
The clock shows 10:54
